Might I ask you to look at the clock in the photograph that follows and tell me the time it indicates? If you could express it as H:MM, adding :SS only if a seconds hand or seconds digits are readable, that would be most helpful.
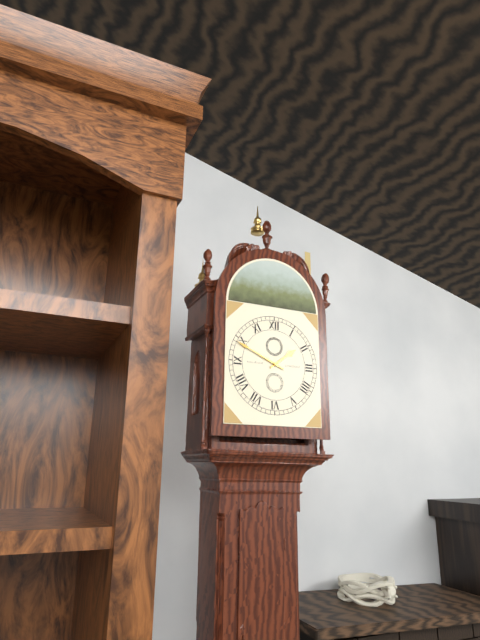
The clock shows 1:49
